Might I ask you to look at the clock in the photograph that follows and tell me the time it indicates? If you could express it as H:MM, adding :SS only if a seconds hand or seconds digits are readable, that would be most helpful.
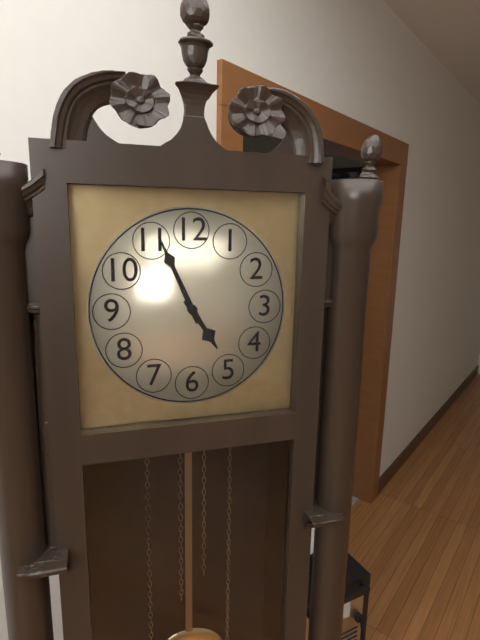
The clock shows 4:56
